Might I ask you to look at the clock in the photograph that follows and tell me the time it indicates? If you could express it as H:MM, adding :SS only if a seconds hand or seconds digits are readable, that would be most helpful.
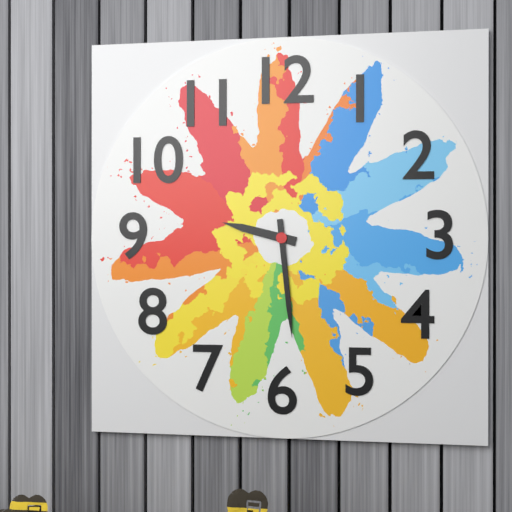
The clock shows 9:29
